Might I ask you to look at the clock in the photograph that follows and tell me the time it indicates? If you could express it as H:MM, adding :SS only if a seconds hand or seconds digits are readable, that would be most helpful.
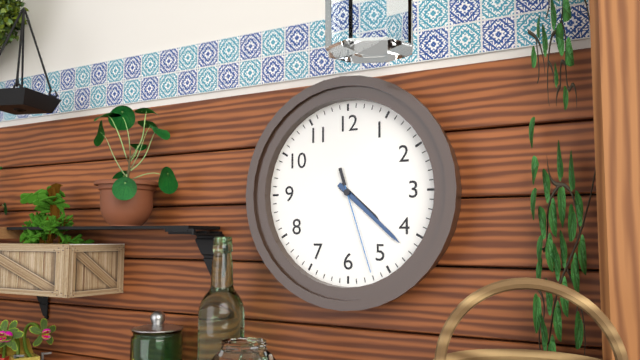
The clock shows 4:22:27
